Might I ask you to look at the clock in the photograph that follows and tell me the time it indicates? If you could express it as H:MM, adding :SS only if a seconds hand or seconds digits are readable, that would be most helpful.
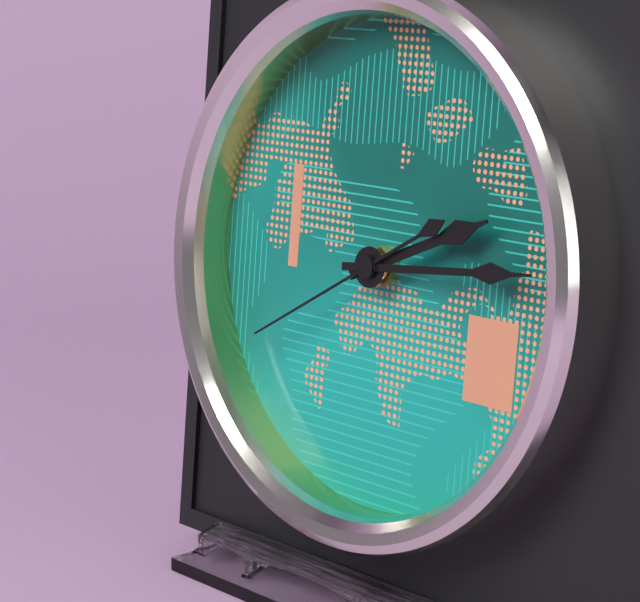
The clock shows 2:14:40
